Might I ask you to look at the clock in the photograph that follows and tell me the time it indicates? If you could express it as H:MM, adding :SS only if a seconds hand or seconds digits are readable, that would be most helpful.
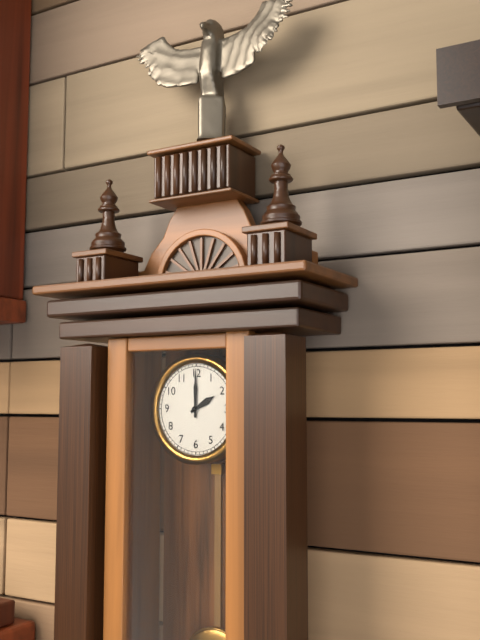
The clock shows 2:00
